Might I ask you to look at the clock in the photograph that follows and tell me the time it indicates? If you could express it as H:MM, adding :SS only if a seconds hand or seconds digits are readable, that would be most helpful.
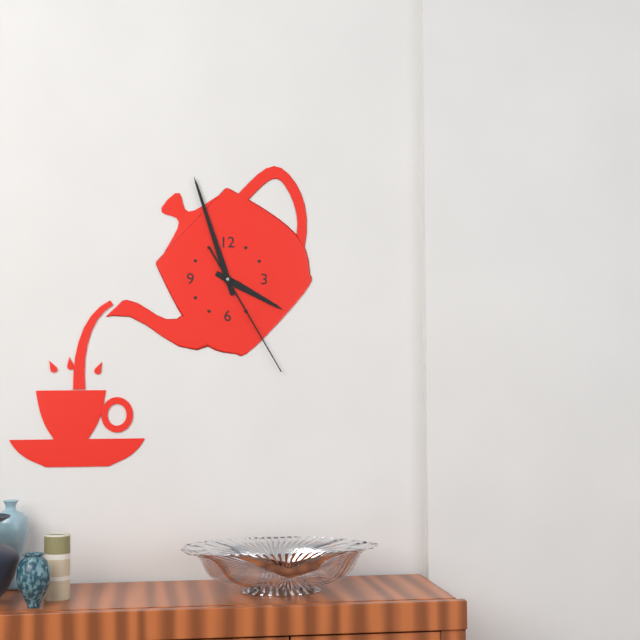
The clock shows 3:57:25
